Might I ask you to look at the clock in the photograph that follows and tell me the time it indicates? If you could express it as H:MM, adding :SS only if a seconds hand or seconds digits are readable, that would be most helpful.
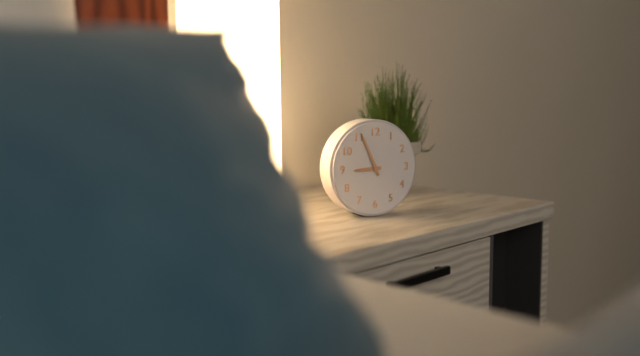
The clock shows 8:56
